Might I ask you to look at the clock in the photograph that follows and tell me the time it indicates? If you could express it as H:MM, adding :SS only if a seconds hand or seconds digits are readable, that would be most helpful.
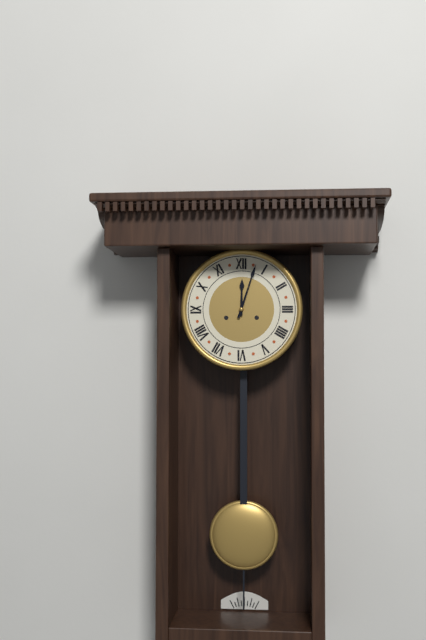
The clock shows 12:03
